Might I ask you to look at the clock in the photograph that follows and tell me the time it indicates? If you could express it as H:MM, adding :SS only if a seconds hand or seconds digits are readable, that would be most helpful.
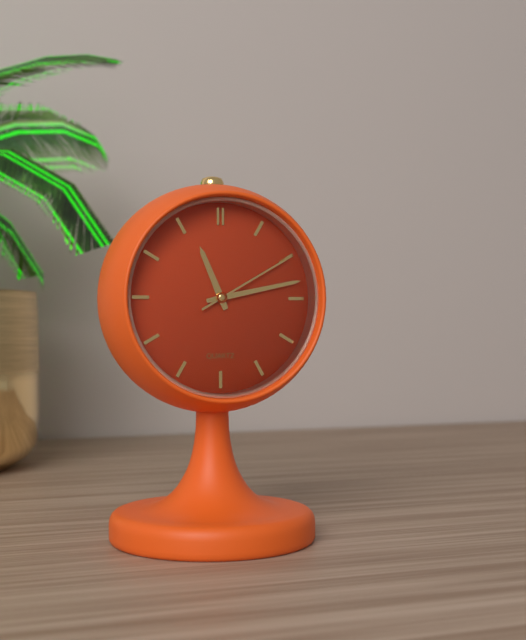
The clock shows 11:13:10
